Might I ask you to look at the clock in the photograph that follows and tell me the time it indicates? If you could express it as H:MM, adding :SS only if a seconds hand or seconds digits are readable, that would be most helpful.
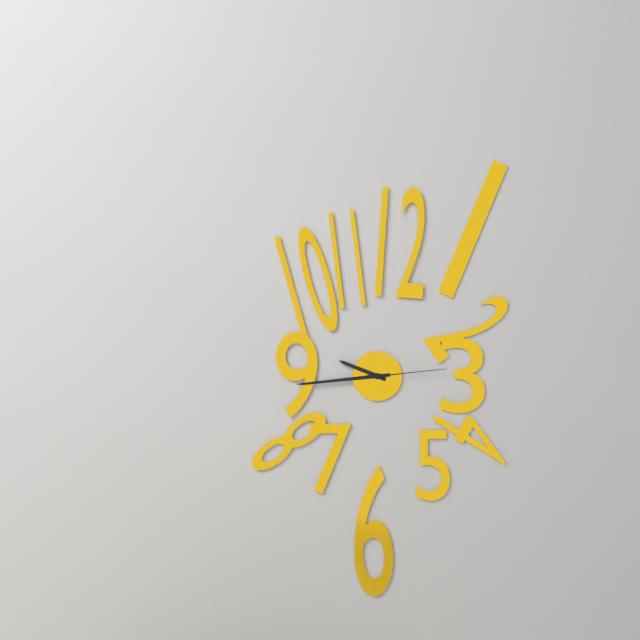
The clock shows 9:44:14
